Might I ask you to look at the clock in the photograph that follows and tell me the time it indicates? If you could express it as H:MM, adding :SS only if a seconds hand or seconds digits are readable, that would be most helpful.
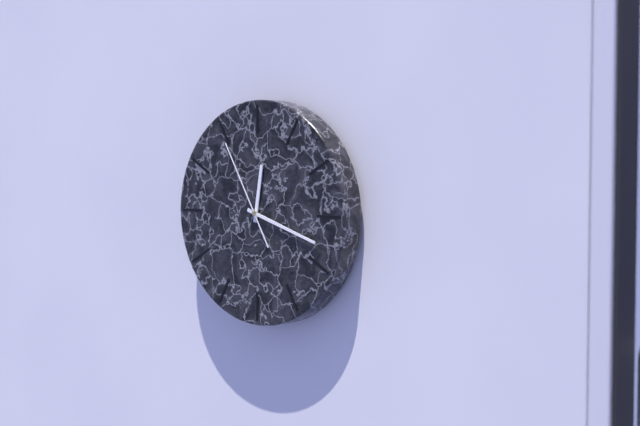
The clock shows 12:18:55
